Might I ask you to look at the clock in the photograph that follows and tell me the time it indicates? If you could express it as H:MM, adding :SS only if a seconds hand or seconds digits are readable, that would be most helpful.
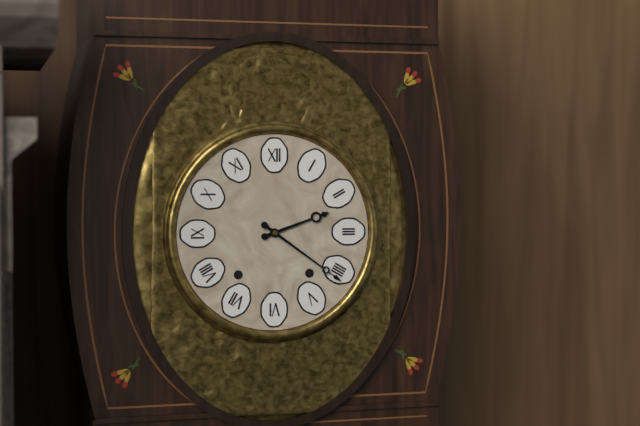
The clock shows 2:21
